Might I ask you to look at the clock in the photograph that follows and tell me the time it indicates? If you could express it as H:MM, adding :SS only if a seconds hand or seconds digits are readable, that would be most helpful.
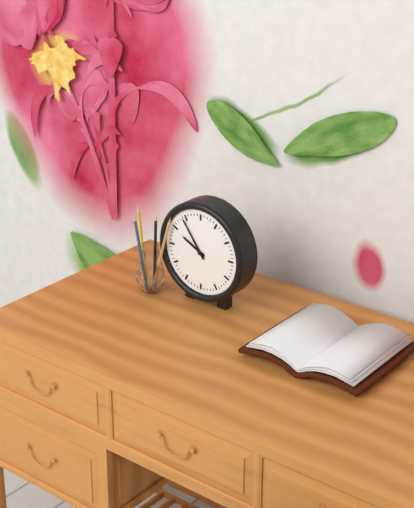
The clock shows 9:54
